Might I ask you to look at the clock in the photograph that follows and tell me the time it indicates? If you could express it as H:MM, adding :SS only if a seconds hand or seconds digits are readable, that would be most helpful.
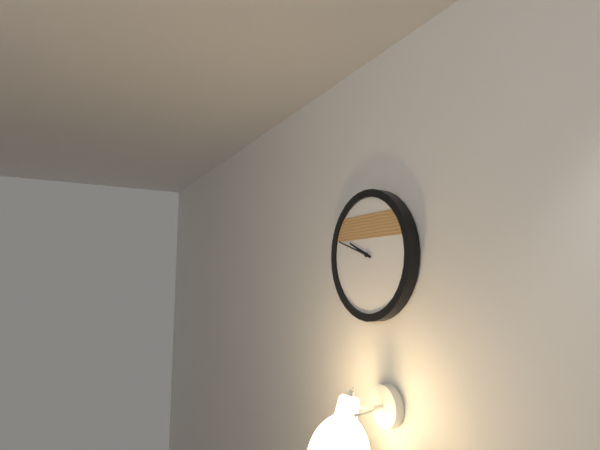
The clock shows 9:48
